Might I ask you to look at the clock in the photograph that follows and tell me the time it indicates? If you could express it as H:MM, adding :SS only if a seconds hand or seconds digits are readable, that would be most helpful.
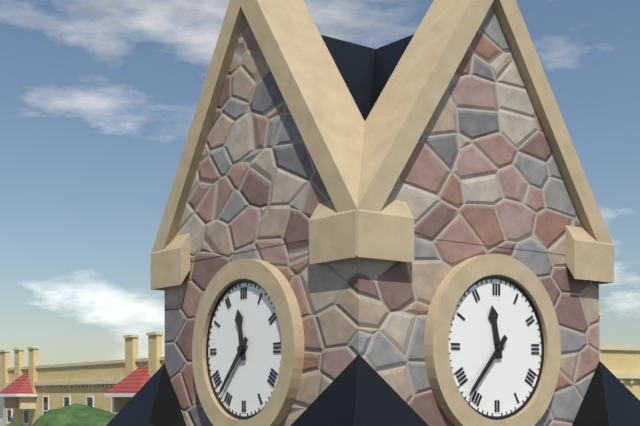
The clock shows 11:37
